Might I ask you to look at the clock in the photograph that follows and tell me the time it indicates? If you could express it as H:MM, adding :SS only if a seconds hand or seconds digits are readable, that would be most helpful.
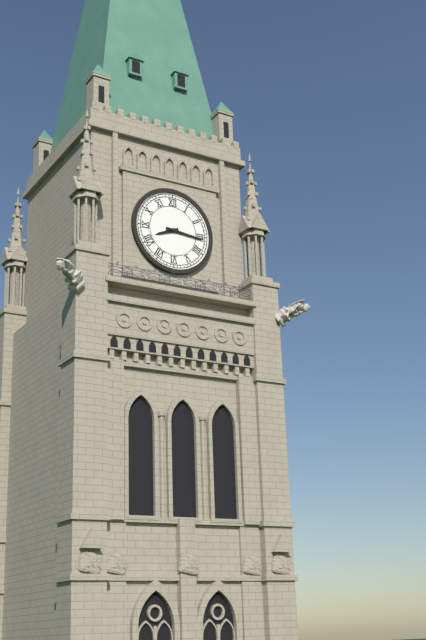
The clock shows 8:16
